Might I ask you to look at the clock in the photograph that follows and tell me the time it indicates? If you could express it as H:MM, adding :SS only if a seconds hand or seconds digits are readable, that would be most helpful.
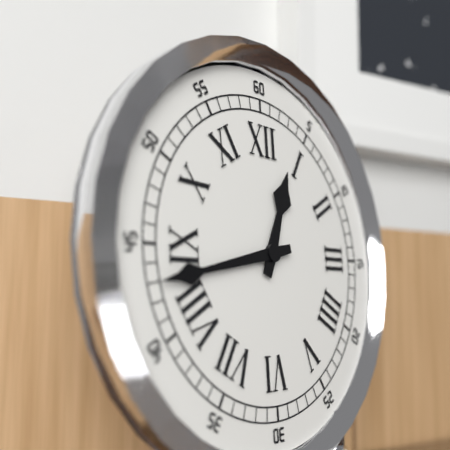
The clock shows 12:43
